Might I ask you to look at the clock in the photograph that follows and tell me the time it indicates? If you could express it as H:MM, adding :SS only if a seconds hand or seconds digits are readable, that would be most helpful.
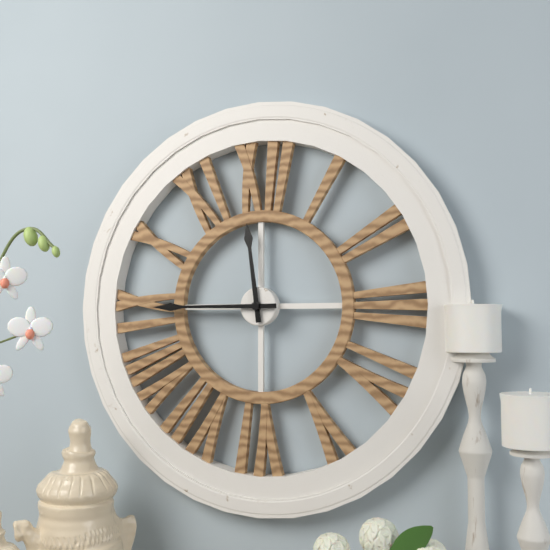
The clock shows 11:45
